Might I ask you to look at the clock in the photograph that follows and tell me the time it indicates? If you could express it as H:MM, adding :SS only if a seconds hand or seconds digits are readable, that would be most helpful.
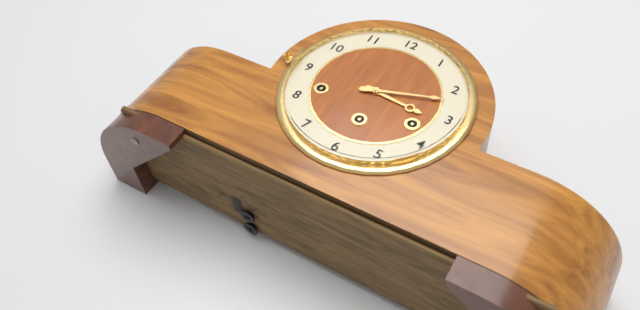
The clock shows 3:12
